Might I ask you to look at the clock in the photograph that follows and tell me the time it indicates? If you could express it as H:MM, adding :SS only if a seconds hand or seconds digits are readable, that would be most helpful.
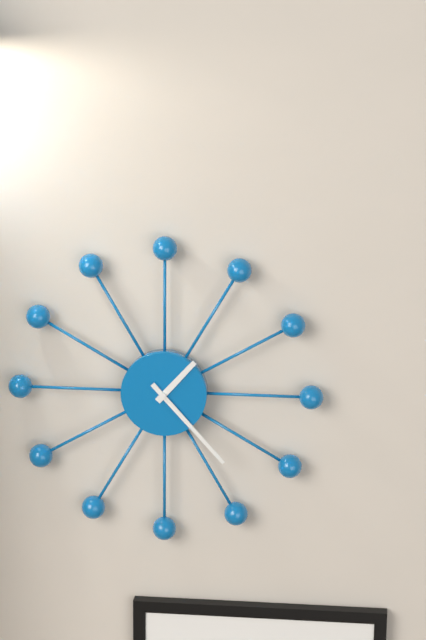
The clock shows 1:23
